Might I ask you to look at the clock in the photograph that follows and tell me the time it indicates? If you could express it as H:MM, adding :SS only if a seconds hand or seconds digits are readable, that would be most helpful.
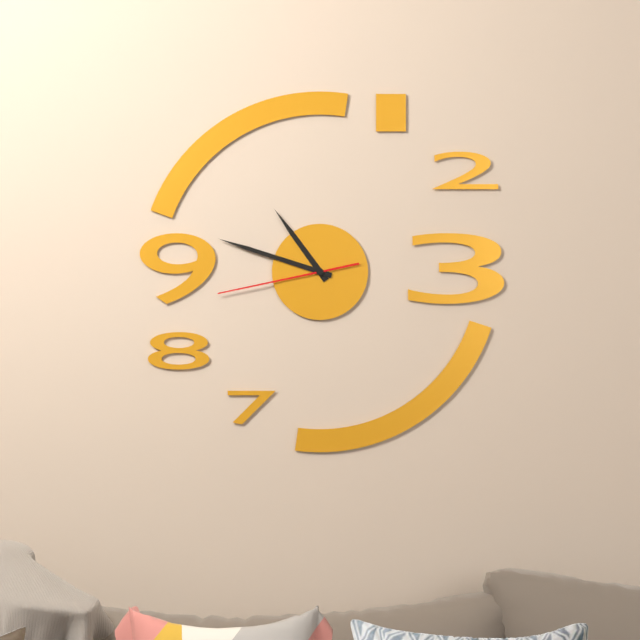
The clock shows 10:48:43
